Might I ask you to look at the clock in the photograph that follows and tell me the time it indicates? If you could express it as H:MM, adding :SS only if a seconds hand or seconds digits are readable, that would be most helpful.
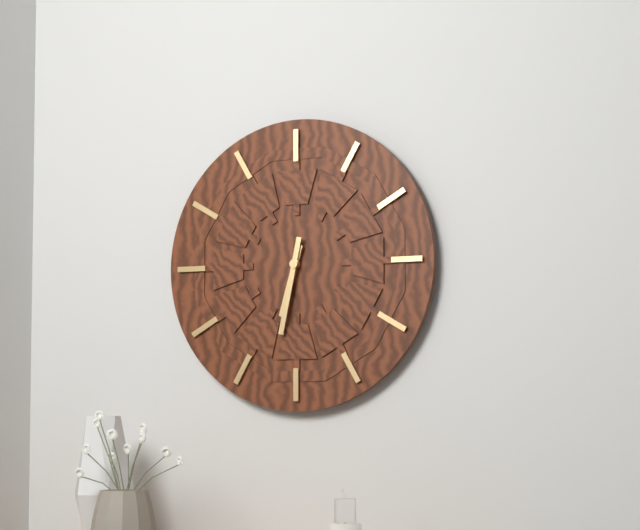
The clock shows 6:32
